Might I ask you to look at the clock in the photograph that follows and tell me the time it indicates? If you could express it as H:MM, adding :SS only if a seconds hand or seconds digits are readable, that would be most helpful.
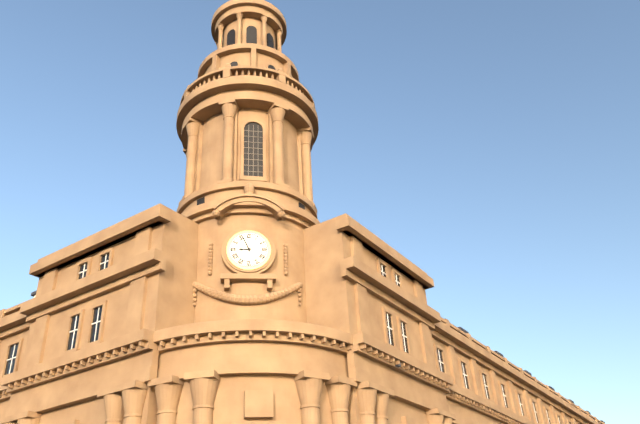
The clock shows 8:56
